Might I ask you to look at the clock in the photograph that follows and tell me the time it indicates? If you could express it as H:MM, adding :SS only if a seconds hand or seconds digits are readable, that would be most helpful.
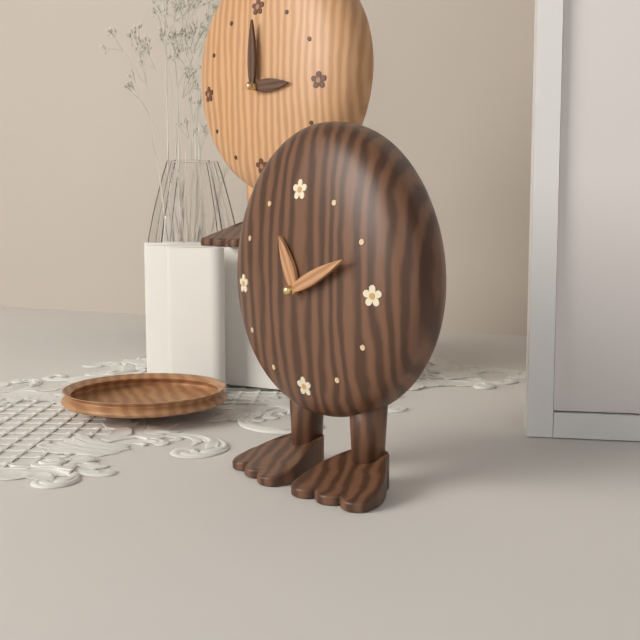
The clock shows 11:11
